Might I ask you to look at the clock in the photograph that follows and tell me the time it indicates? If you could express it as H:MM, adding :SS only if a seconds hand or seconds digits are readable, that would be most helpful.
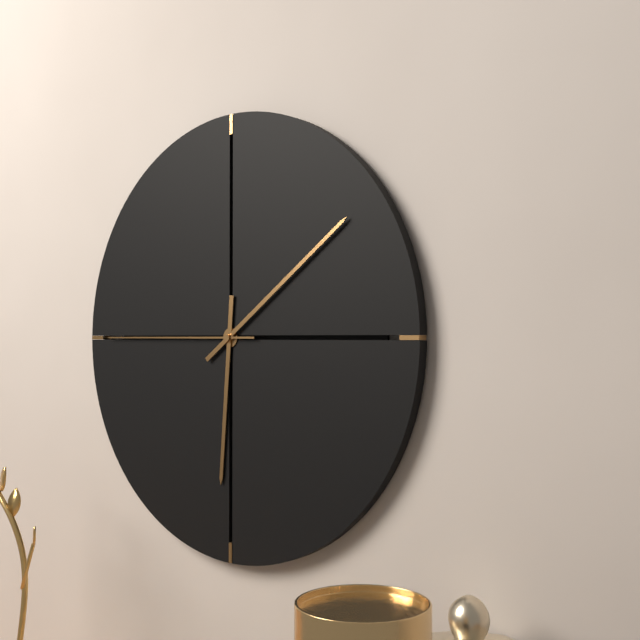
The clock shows 6:09:45
